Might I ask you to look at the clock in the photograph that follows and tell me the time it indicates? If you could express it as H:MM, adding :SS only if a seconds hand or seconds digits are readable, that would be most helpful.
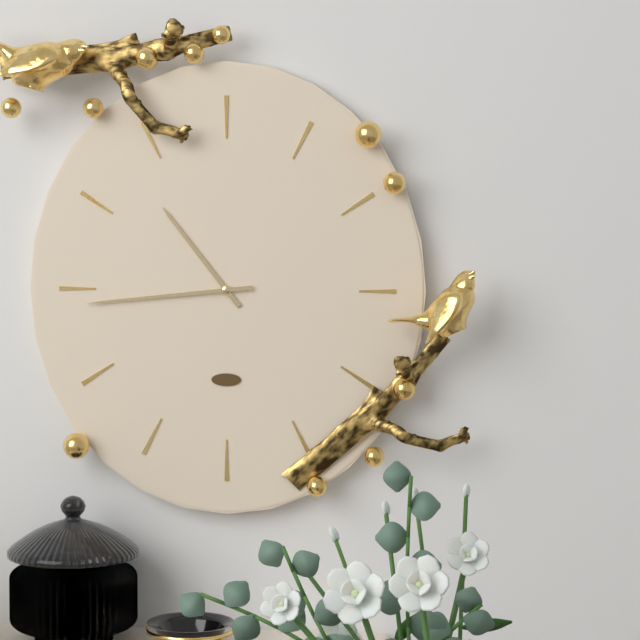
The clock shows 10:44
